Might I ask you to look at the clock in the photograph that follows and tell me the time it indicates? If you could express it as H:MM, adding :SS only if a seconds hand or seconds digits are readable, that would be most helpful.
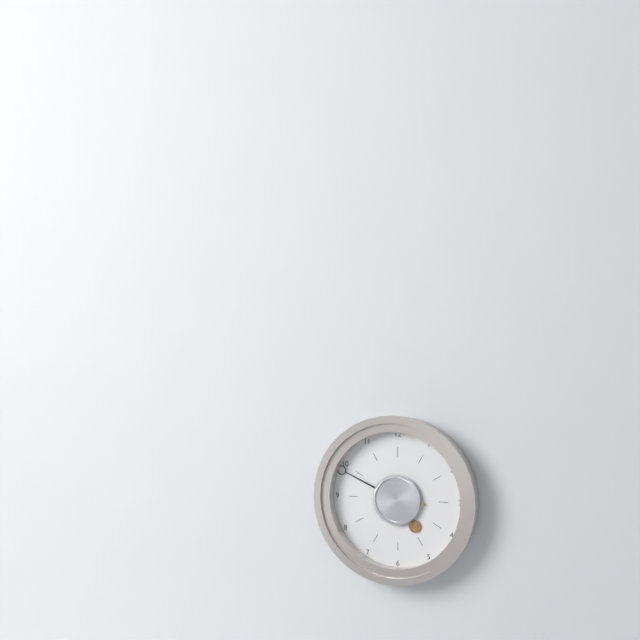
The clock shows 4:49
